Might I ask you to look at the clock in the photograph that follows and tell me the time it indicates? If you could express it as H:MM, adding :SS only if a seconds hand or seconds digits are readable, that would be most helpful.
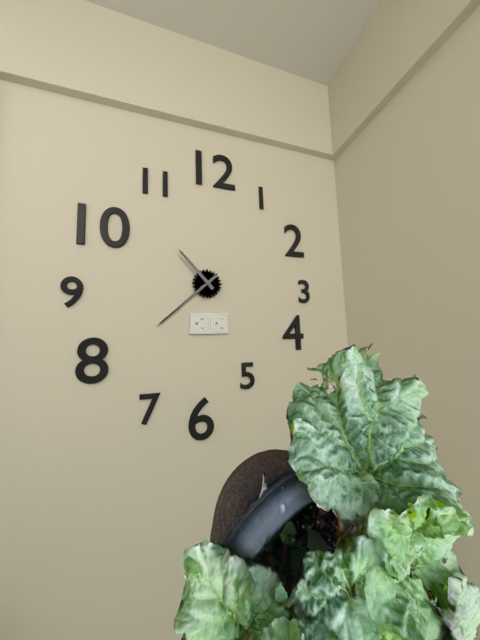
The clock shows 10:38
